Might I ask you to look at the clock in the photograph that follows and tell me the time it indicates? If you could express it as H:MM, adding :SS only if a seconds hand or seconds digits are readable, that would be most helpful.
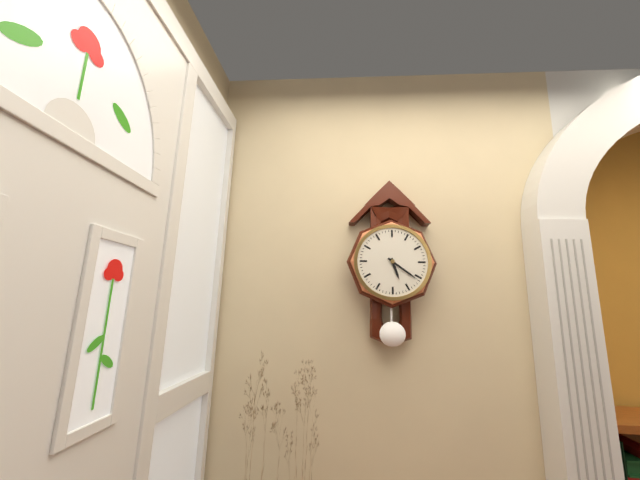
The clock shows 5:21
